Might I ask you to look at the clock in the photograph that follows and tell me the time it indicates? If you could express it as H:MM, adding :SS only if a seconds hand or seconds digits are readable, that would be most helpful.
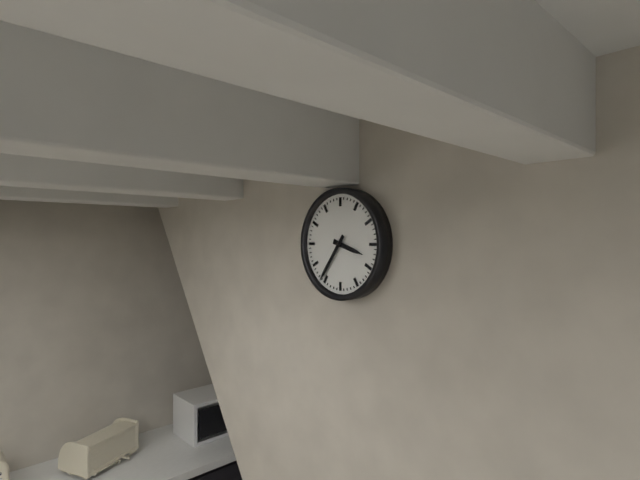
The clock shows 3:36
